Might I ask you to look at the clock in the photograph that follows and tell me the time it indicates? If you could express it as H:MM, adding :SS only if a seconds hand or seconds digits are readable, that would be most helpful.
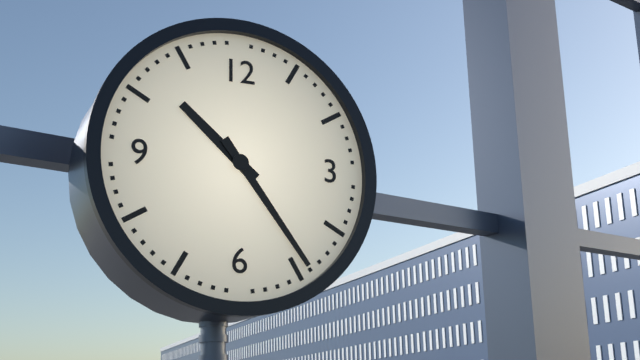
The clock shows 10:24
